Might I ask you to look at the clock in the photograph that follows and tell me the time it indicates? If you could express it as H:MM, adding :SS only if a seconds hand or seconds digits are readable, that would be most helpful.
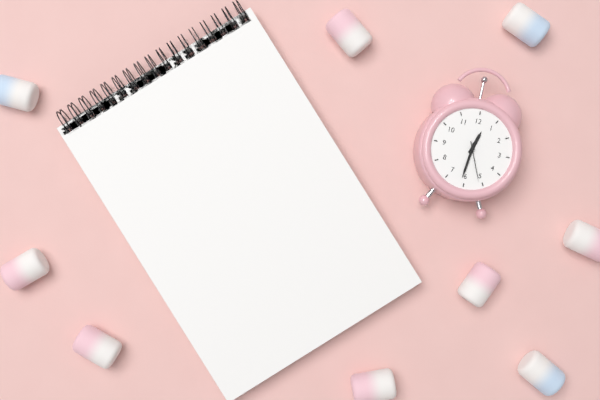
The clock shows 12:31
